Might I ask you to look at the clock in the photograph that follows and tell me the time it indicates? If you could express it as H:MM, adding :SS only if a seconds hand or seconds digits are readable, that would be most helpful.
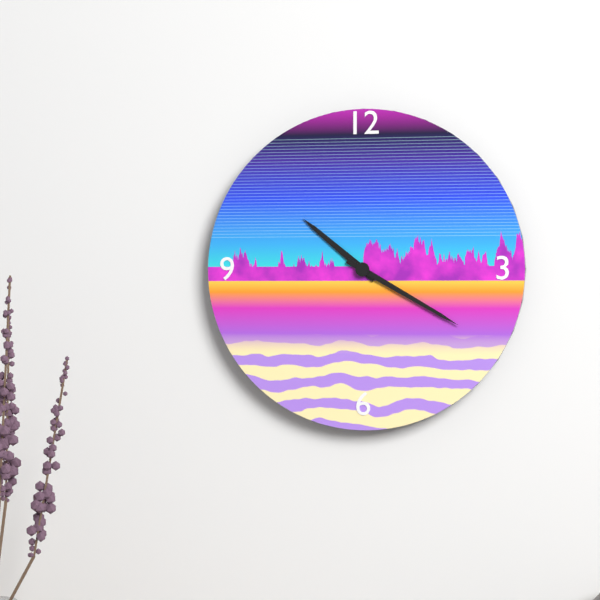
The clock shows 10:20
